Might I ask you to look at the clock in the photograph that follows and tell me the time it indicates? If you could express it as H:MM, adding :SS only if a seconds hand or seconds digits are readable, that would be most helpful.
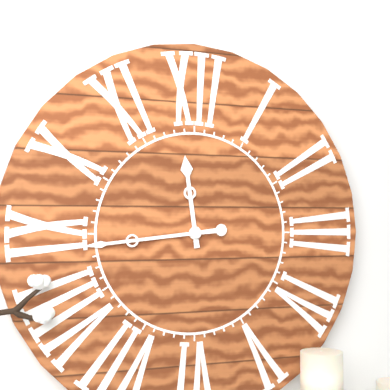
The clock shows 11:44
